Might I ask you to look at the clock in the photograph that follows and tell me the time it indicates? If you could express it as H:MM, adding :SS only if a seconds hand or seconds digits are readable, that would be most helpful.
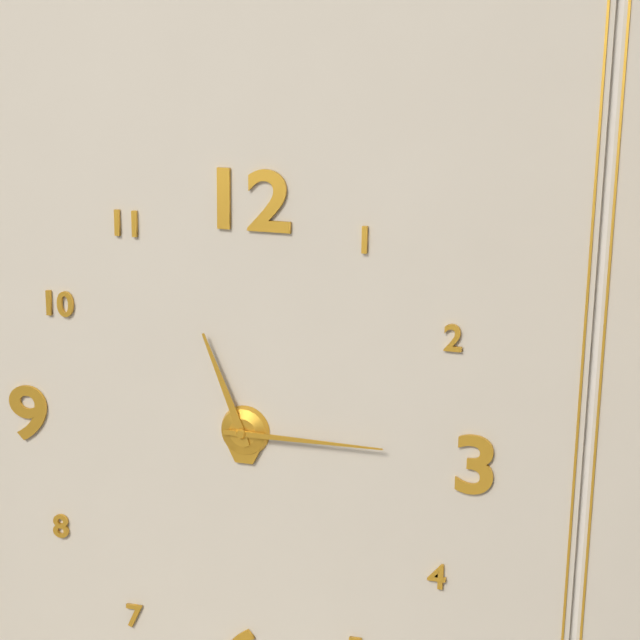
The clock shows 11:15
